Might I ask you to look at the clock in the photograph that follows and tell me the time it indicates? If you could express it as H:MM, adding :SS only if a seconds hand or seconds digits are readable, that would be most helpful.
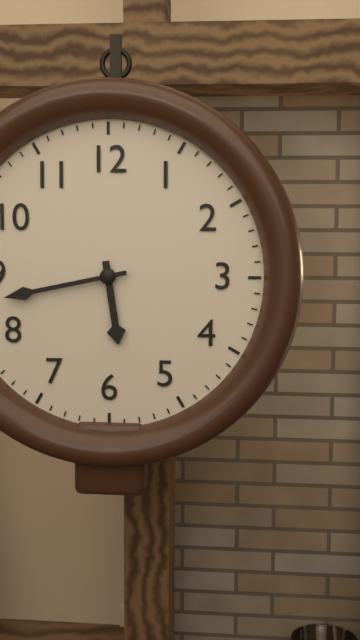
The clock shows 5:43
